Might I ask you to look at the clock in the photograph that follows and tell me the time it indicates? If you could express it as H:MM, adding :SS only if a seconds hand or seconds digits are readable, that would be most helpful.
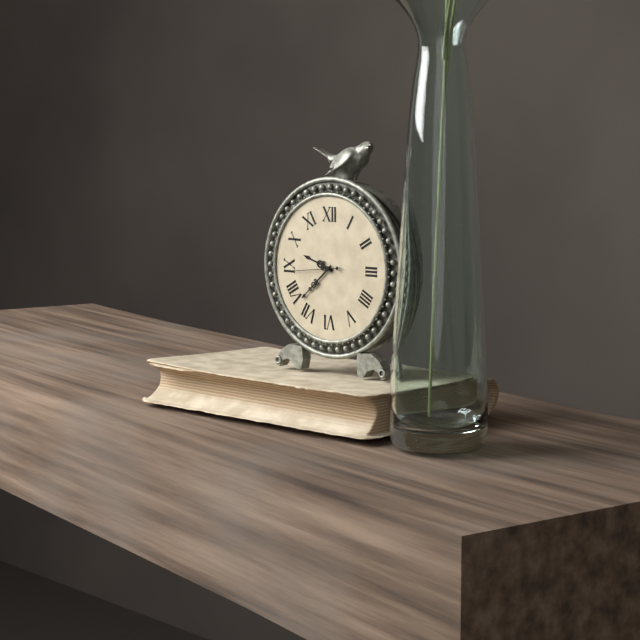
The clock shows 9:38
